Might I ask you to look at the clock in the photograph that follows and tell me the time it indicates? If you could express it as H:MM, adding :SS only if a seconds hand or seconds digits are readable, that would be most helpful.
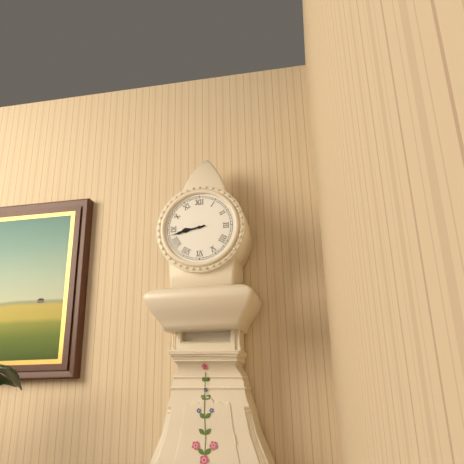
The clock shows 8:43
